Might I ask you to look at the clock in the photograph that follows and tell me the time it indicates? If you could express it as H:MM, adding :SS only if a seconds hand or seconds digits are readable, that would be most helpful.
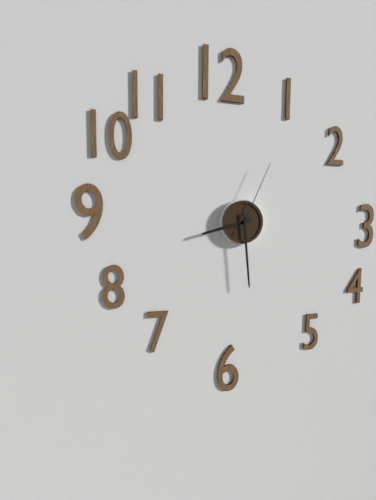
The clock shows 8:29:04
